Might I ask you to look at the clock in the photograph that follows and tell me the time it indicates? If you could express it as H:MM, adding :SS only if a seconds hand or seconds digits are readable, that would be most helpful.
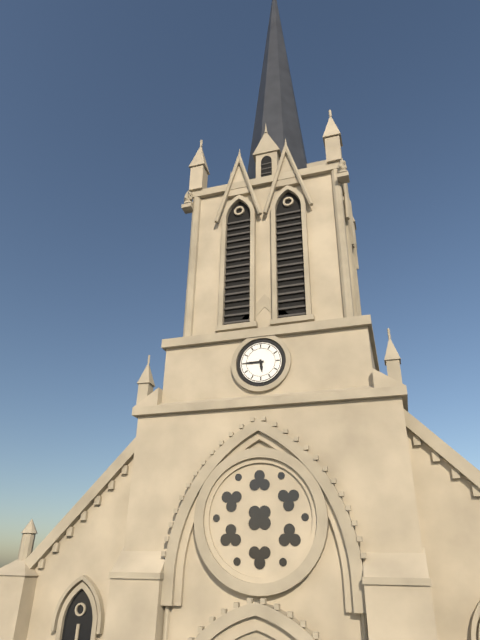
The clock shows 5:45
